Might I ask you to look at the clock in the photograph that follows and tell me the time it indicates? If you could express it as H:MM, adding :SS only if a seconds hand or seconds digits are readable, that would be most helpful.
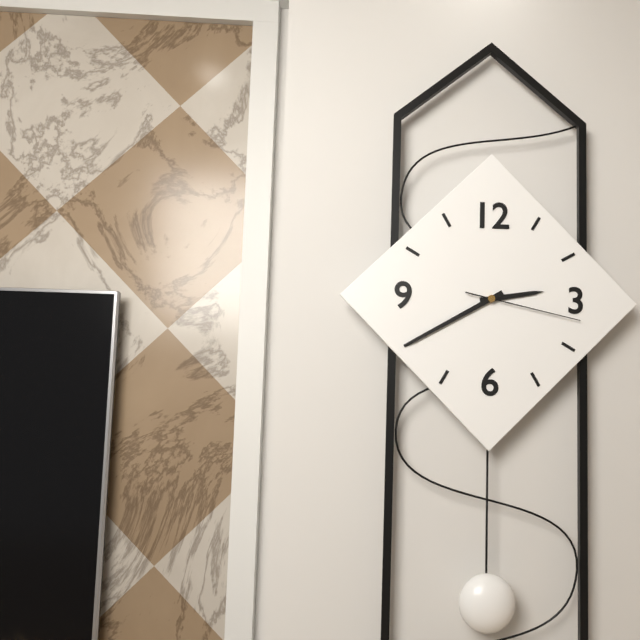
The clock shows 2:40:17
